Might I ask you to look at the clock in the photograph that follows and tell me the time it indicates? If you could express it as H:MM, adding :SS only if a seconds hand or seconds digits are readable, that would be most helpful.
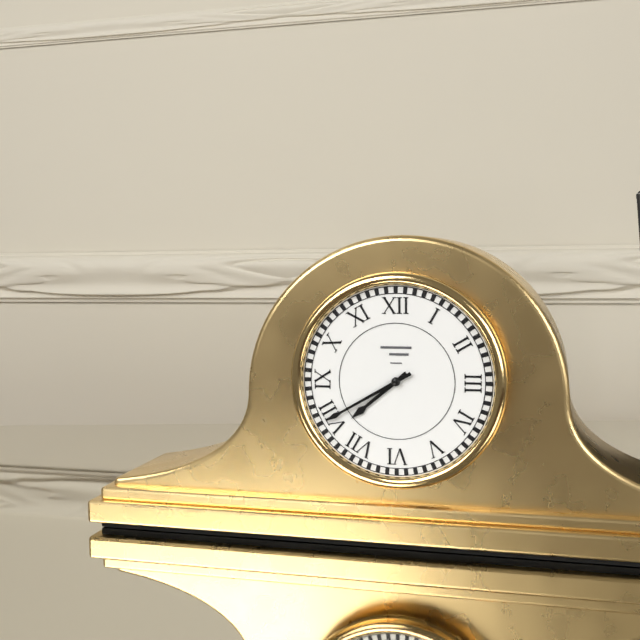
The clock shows 7:40
